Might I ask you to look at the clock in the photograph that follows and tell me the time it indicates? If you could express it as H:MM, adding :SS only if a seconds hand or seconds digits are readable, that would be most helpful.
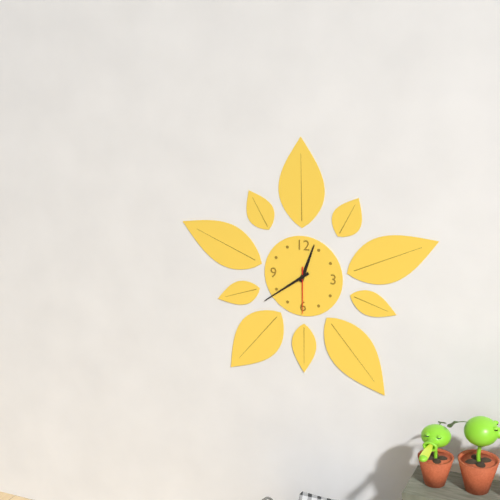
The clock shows 12:39
